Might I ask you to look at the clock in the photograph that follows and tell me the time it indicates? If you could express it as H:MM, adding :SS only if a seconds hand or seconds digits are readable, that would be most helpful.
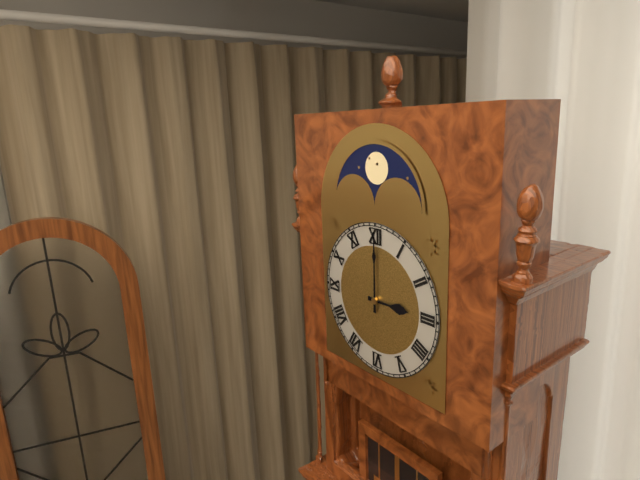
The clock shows 3:00
